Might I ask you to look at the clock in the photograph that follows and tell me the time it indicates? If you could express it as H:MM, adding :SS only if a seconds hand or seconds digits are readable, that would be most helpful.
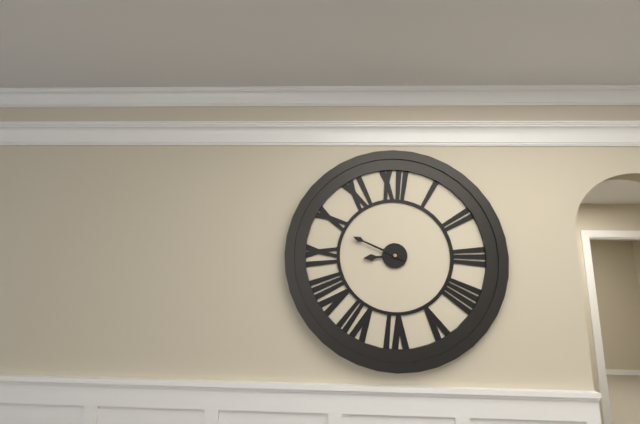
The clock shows 8:49
